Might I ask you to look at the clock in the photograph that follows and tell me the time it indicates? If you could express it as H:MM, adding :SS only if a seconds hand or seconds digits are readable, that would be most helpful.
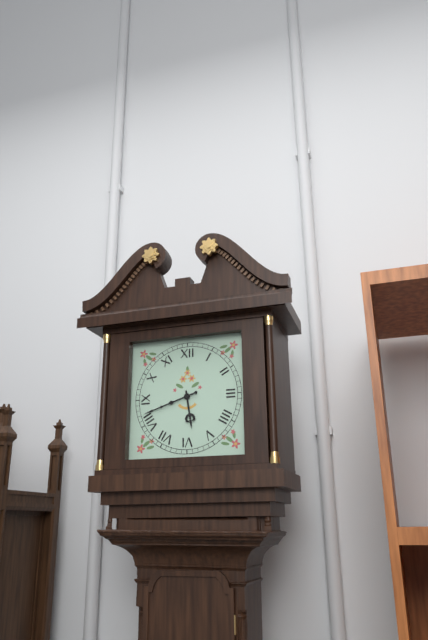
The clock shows 5:42
